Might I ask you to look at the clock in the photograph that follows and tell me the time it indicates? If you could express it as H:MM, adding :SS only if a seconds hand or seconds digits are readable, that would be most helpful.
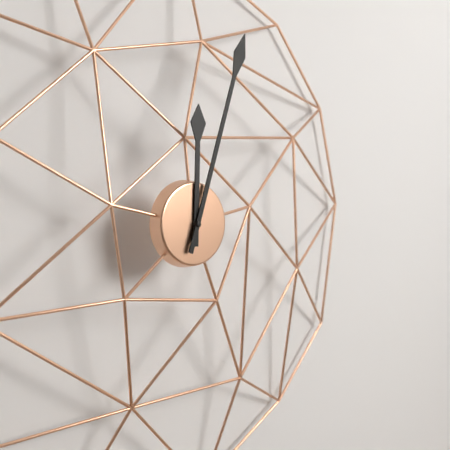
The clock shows 12:03
